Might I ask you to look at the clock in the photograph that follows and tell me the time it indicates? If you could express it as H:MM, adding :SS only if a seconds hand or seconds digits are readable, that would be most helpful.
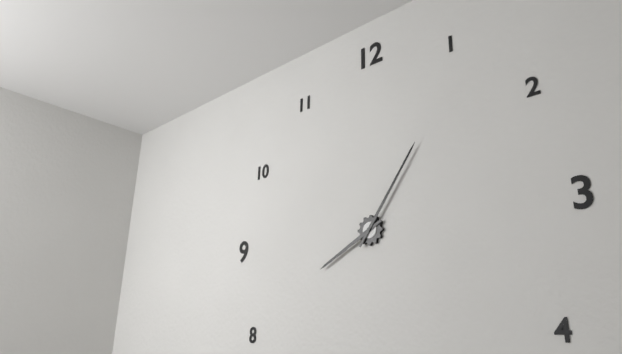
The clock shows 8:06
